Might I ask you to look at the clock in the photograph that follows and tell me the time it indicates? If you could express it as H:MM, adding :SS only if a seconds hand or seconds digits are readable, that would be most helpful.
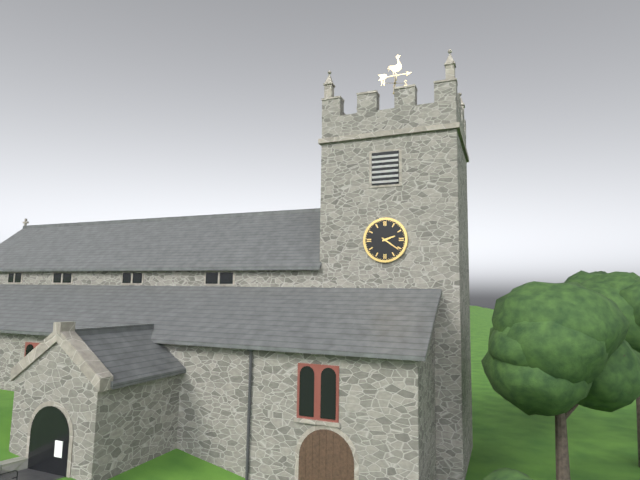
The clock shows 2:21
